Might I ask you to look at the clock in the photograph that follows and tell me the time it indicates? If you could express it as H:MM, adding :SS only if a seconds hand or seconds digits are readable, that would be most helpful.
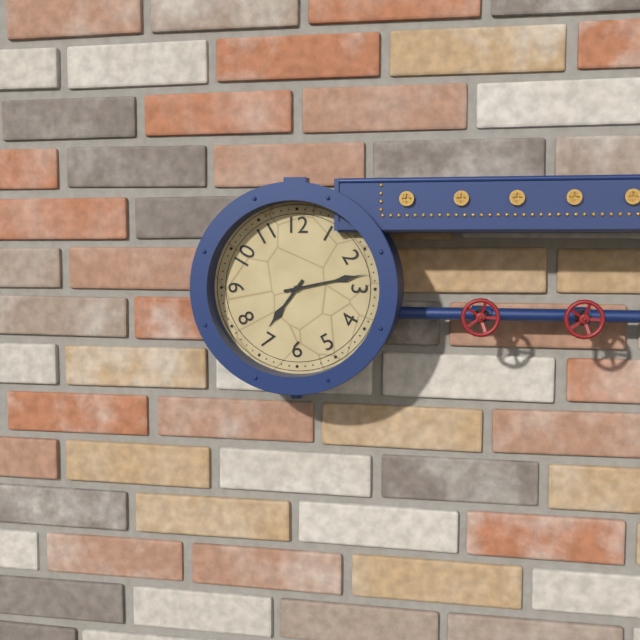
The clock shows 7:13
